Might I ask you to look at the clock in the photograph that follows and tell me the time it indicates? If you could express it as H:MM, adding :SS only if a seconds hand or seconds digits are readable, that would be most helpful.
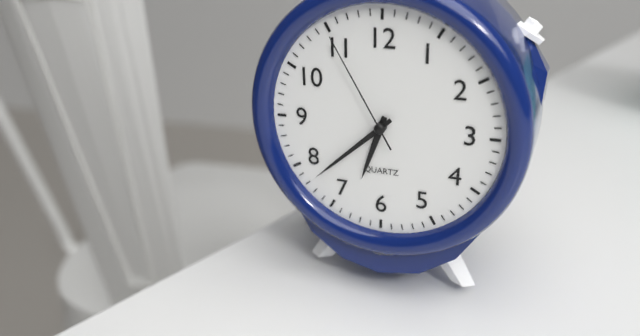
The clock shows 6:38:55
